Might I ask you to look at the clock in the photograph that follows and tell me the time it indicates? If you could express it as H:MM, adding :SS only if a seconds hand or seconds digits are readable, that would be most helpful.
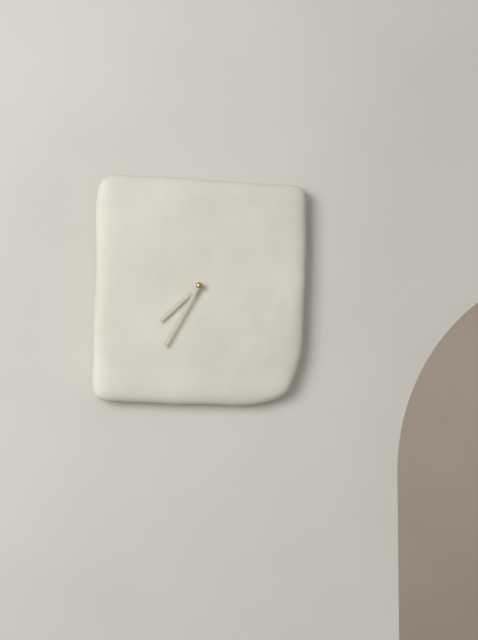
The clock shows 7:35
